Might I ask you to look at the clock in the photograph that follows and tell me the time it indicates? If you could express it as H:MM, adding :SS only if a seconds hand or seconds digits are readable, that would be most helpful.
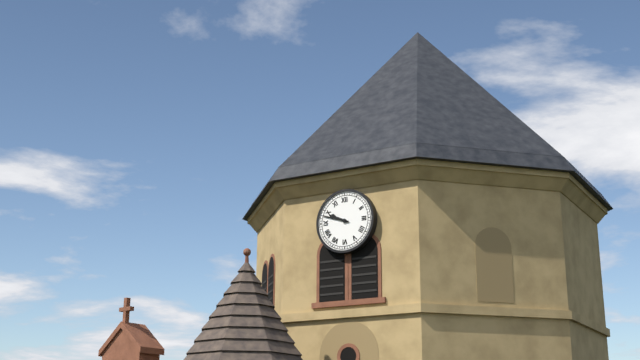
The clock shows 9:48
